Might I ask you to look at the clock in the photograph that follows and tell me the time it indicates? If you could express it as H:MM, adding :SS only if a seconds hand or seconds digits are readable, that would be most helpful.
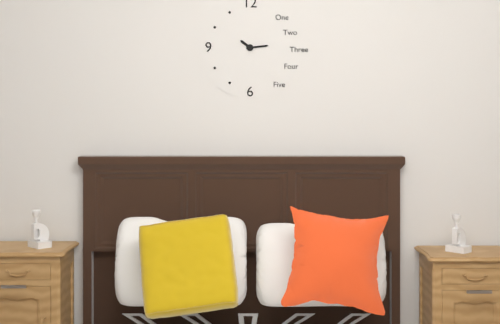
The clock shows 10:14
